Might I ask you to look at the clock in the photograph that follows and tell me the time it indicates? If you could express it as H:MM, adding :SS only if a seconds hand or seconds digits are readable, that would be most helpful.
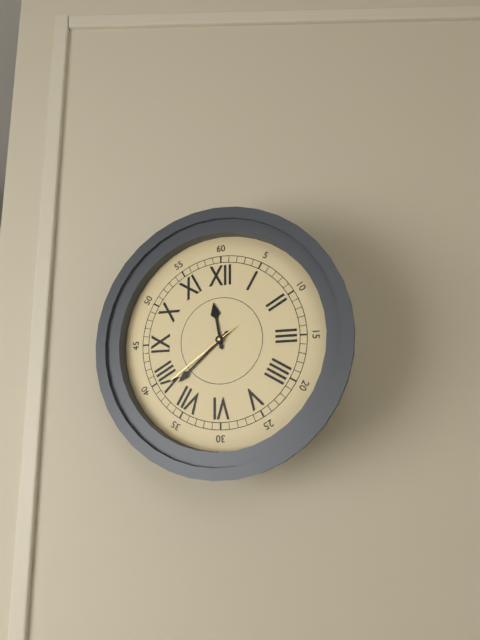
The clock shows 11:38:39
